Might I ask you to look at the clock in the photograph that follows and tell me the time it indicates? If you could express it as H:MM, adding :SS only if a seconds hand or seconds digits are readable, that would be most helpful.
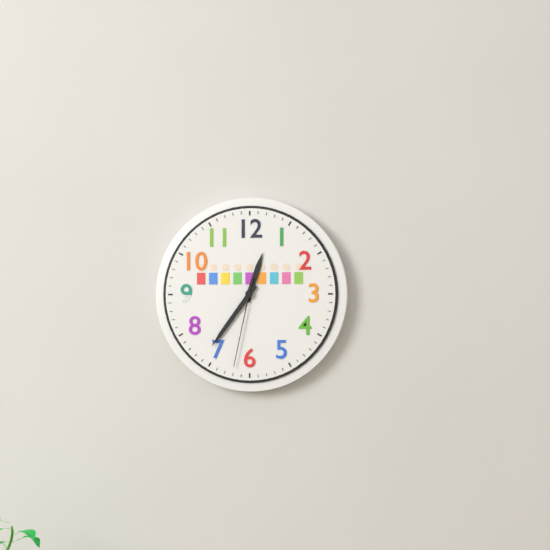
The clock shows 12:36:32
